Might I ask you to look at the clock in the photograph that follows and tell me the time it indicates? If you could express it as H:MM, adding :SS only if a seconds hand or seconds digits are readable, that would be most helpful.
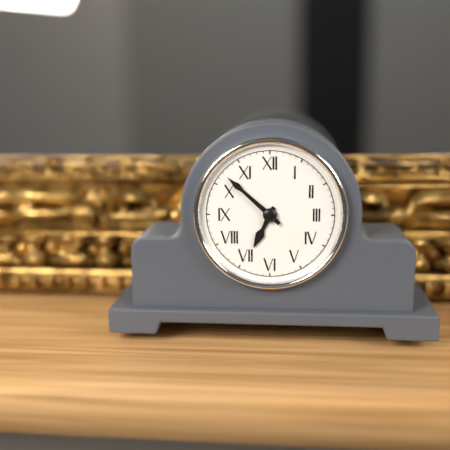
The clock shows 6:52
